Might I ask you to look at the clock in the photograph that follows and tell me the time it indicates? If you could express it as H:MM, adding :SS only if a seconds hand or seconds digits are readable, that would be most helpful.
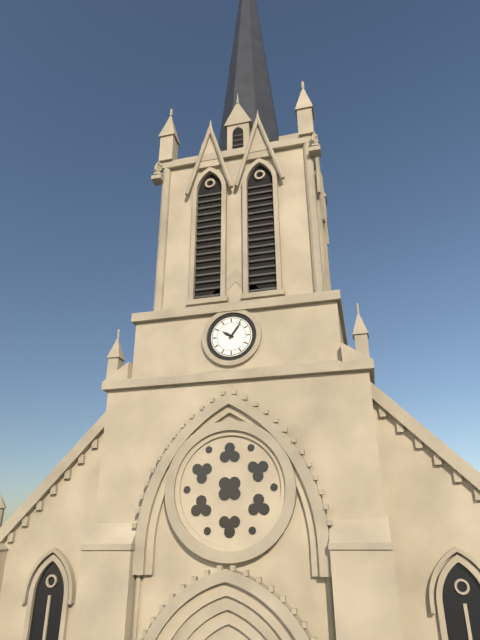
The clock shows 10:06
